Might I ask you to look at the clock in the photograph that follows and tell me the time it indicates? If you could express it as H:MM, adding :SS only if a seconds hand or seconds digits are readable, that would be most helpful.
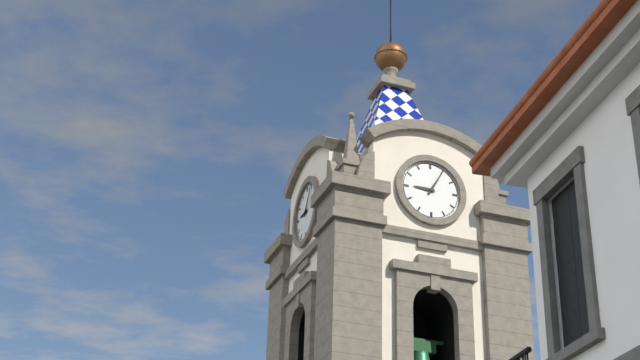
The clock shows 9:05
